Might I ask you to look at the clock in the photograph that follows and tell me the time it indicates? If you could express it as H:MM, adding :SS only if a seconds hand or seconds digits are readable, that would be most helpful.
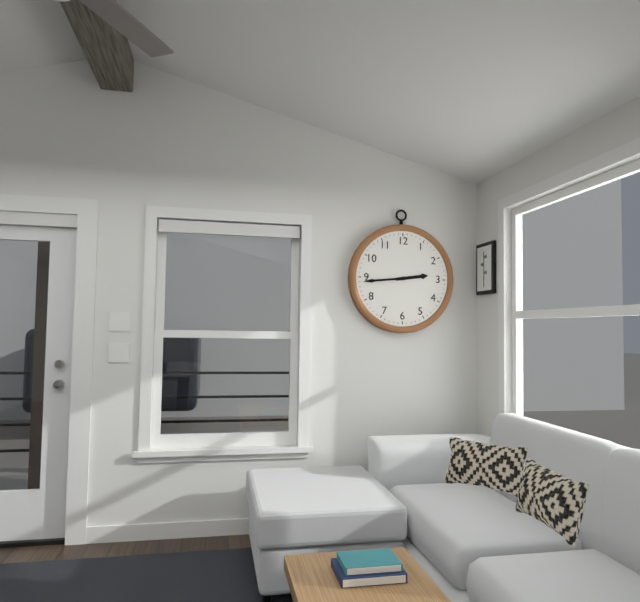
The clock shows 2:44
